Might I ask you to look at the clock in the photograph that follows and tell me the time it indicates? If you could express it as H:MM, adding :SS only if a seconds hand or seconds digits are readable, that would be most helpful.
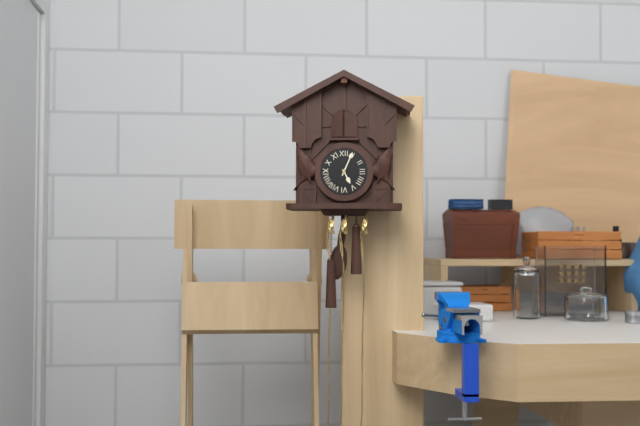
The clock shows 5:04
